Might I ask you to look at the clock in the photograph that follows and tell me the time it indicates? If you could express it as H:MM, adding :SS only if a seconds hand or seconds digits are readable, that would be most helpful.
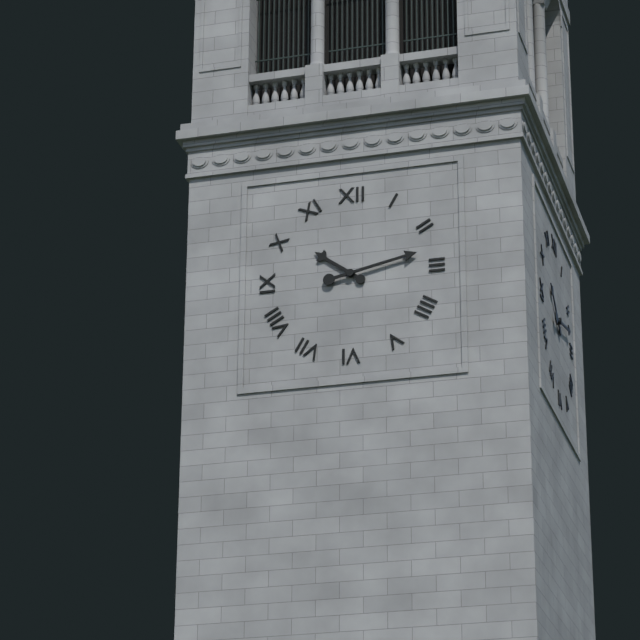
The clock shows 10:13
